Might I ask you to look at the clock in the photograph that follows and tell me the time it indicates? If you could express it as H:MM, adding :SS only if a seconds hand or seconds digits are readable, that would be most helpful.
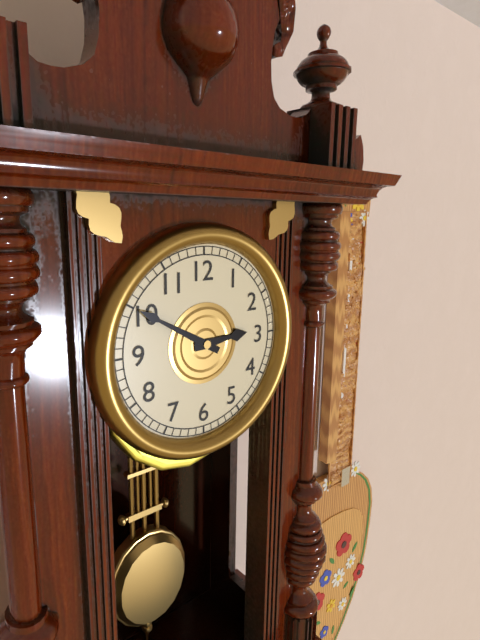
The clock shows 2:50
